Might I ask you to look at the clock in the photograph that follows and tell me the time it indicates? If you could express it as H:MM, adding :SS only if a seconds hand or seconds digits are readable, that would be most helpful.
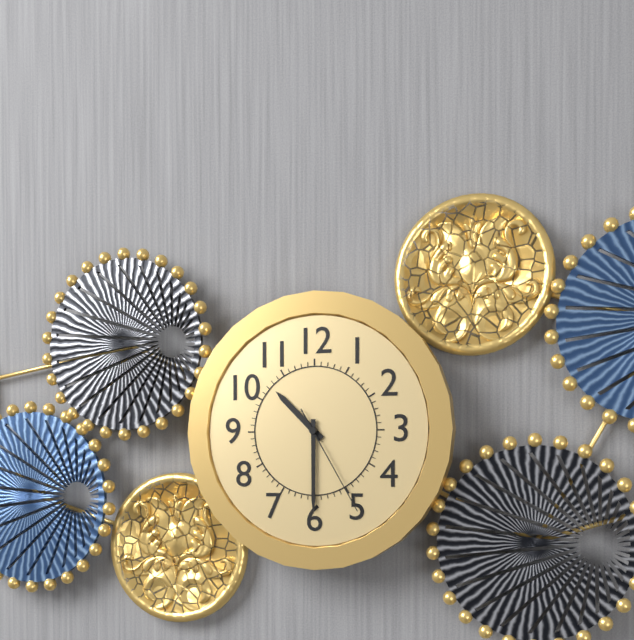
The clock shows 10:30:25
